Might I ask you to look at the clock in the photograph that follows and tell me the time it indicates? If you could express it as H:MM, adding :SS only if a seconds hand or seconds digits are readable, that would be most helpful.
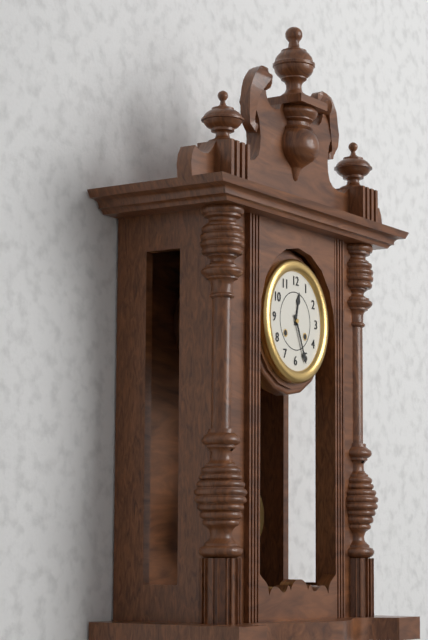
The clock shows 12:26
